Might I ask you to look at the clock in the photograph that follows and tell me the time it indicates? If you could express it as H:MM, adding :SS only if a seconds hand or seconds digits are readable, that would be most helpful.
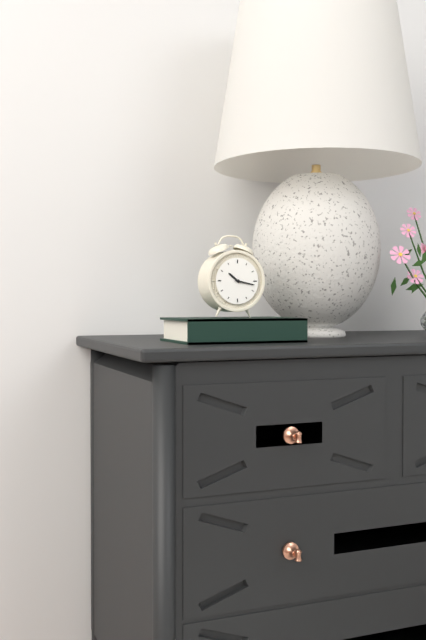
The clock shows 10:17
